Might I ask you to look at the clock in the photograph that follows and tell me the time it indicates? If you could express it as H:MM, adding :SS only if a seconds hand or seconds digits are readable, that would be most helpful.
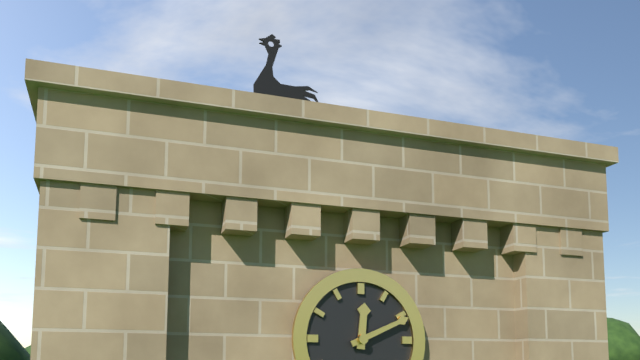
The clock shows 12:11
